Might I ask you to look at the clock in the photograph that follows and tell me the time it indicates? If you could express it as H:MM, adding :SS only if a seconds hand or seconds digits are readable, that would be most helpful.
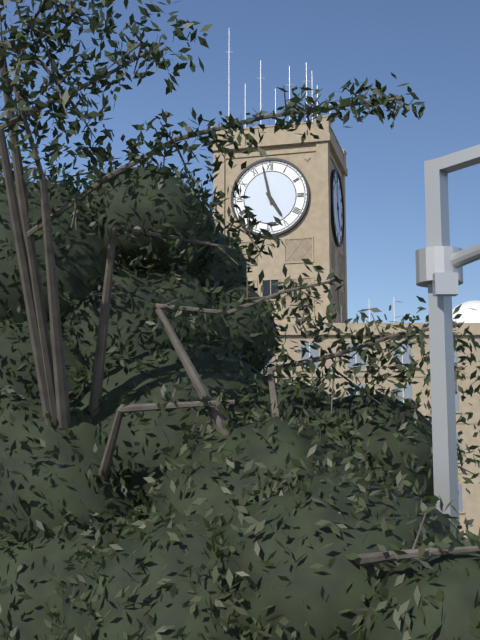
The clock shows 4:58
